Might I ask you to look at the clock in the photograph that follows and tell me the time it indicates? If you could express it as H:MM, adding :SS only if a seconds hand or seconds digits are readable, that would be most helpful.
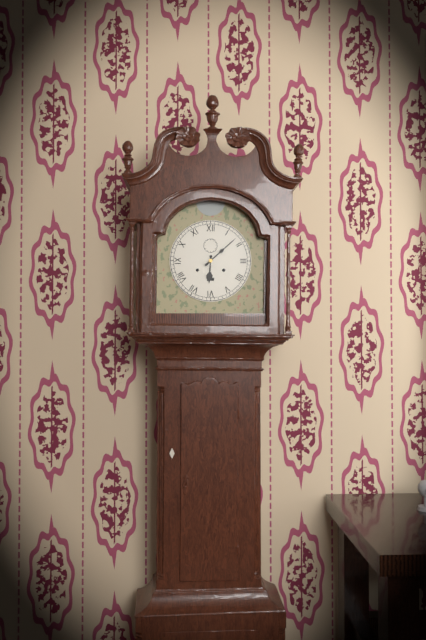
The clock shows 6:08
